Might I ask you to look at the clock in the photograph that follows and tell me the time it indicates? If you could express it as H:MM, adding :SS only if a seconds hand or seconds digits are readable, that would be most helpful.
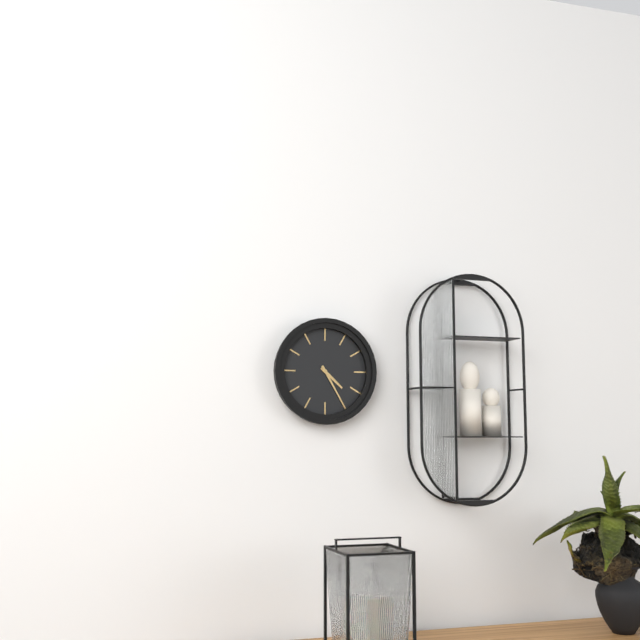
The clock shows 4:25
